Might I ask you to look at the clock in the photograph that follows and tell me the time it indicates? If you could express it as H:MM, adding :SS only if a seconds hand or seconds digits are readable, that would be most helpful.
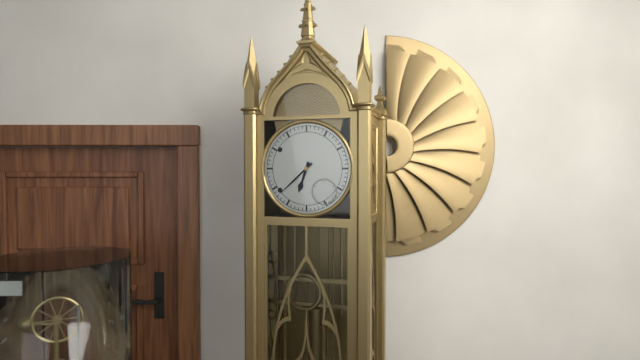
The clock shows 6:38
